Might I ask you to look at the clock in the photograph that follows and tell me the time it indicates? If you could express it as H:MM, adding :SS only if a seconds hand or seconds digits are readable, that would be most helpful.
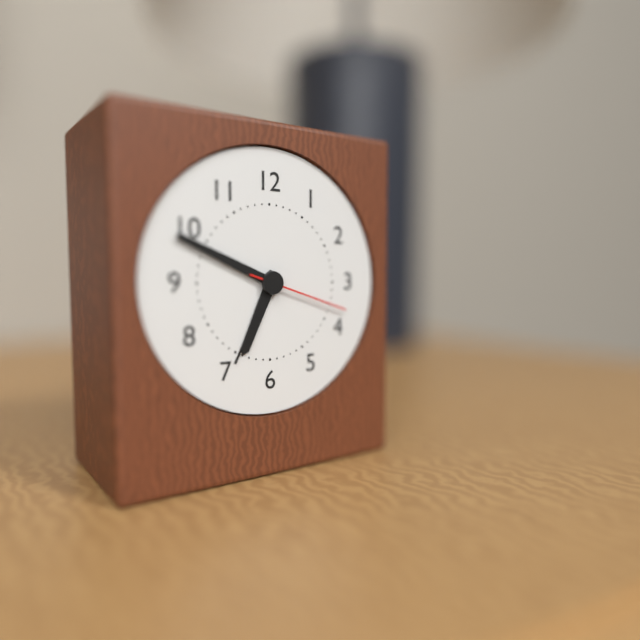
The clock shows 6:49:18
